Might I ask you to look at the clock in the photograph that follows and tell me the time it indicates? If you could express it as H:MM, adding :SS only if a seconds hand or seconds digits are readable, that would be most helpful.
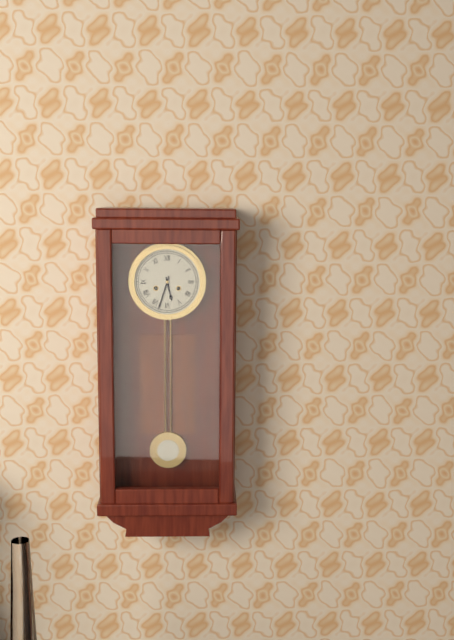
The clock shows 5:33
